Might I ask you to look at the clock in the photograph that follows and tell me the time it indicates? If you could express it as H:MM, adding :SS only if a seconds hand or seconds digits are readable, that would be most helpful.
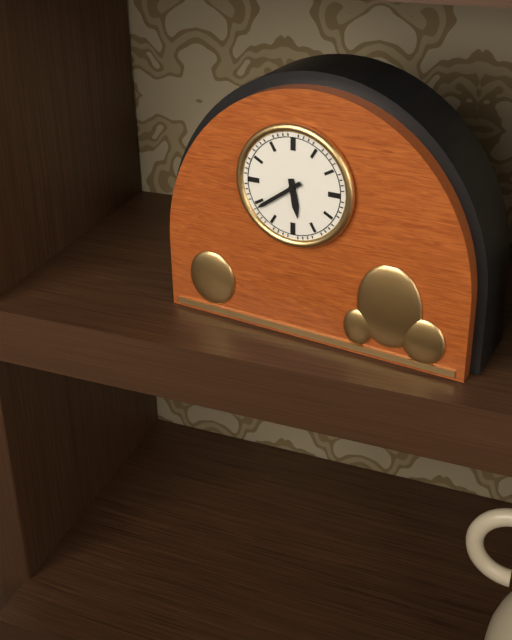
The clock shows 5:39
